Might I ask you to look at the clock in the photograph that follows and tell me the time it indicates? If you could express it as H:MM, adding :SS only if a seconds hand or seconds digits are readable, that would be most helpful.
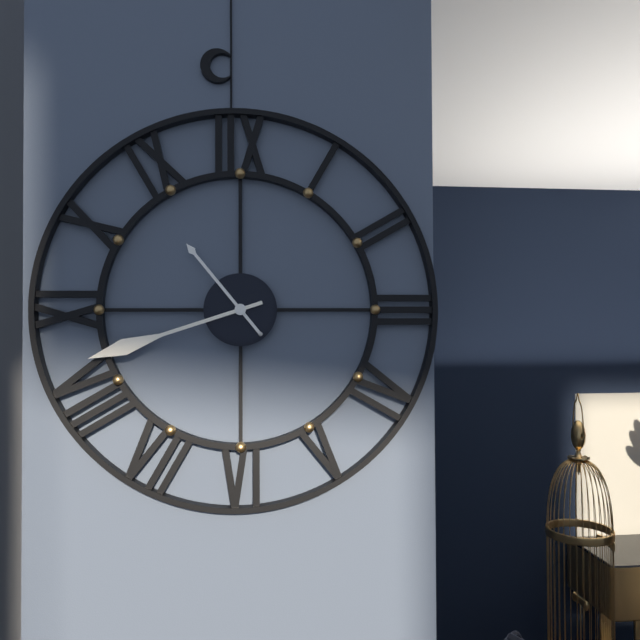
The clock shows 10:42
